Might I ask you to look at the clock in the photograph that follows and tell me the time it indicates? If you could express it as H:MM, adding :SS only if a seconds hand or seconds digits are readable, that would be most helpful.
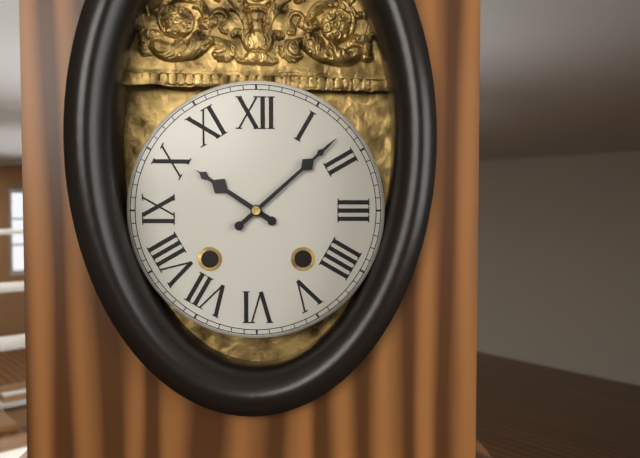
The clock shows 10:08
